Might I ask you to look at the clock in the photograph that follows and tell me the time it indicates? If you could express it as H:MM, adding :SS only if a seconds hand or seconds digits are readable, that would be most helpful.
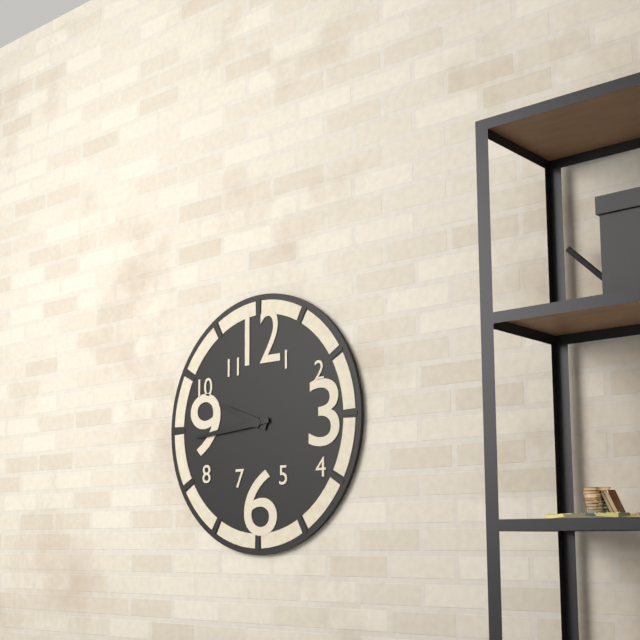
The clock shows 9:44
